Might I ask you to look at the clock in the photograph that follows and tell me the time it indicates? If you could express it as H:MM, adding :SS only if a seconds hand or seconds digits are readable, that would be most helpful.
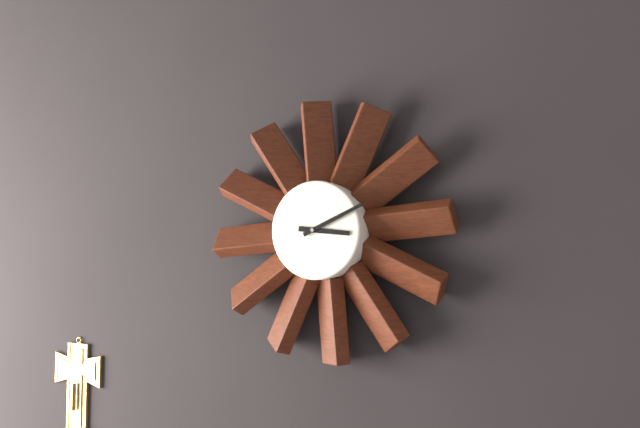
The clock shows 3:11
